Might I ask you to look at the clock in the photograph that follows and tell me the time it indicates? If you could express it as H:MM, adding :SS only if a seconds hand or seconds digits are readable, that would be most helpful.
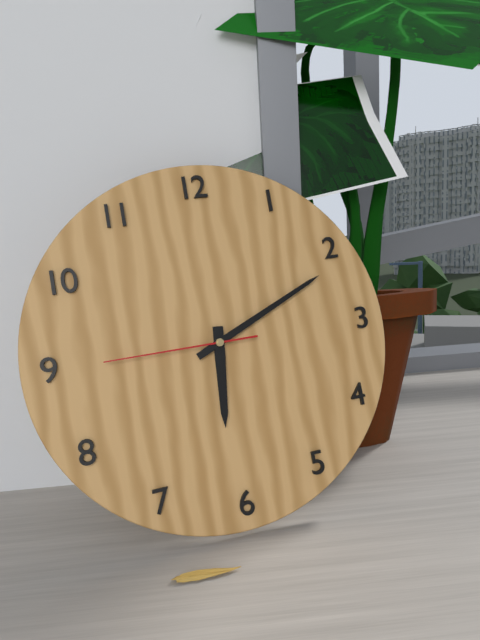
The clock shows 6:11:45
